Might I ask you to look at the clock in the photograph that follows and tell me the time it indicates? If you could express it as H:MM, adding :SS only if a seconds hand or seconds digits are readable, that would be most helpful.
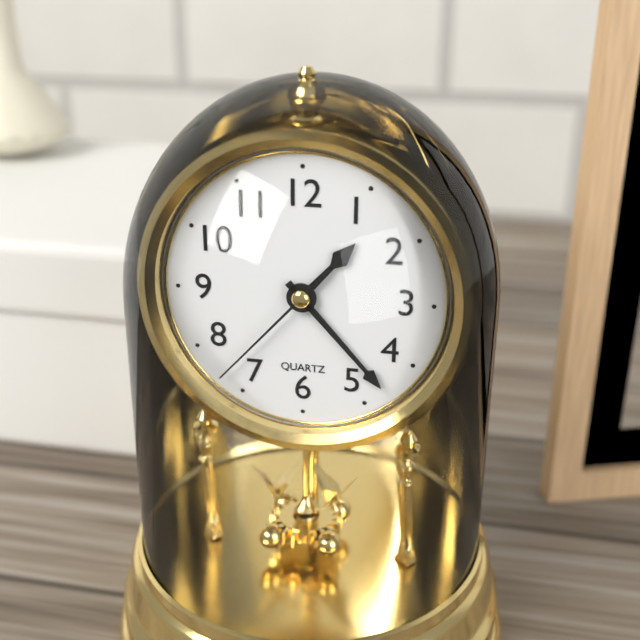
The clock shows 1:23:37
